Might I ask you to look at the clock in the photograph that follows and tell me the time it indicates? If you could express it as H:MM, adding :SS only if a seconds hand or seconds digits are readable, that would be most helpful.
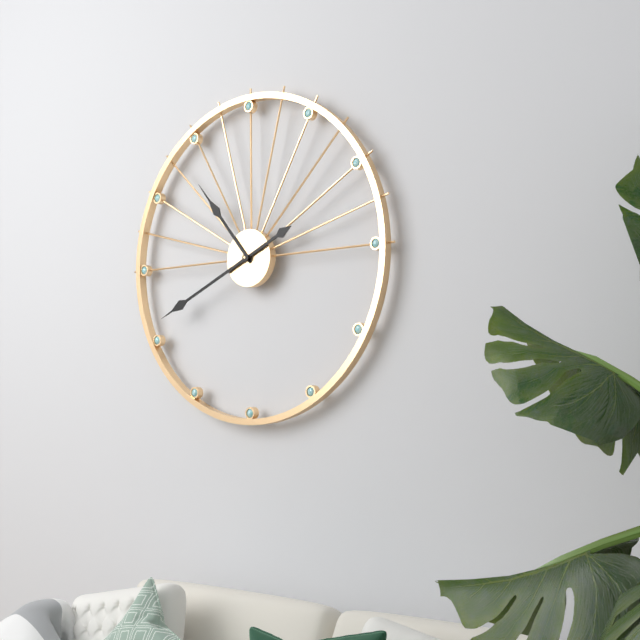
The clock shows 10:41
